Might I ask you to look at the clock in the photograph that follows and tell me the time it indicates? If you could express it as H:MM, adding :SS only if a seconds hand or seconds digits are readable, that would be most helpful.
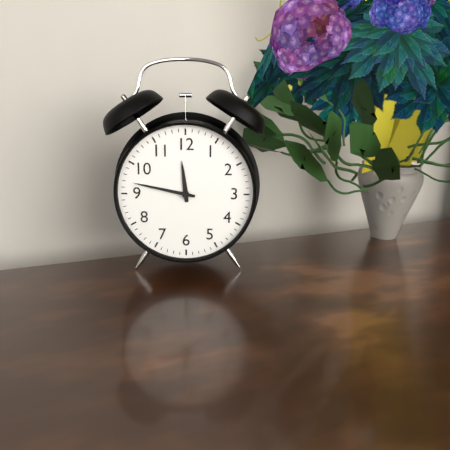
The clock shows 11:47
